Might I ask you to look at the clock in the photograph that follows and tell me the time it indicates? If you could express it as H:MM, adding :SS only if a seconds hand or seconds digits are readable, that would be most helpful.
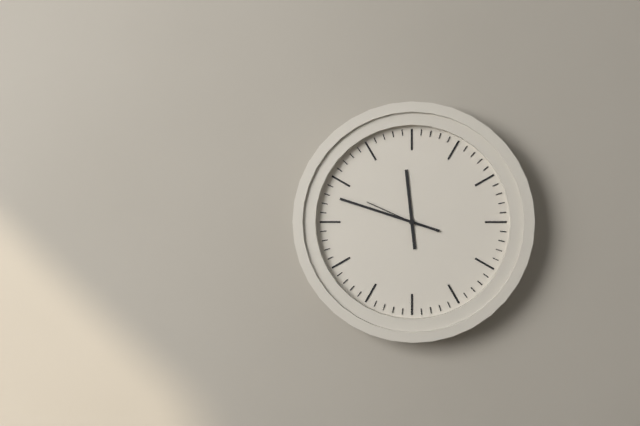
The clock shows 11:48:49
